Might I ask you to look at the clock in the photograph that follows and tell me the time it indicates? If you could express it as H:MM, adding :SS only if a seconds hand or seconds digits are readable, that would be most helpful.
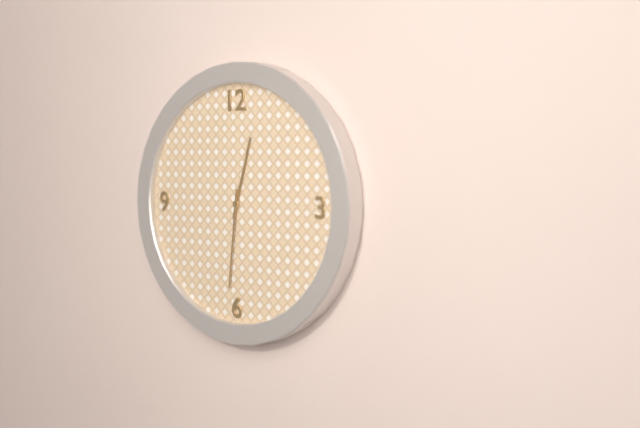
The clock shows 12:31
